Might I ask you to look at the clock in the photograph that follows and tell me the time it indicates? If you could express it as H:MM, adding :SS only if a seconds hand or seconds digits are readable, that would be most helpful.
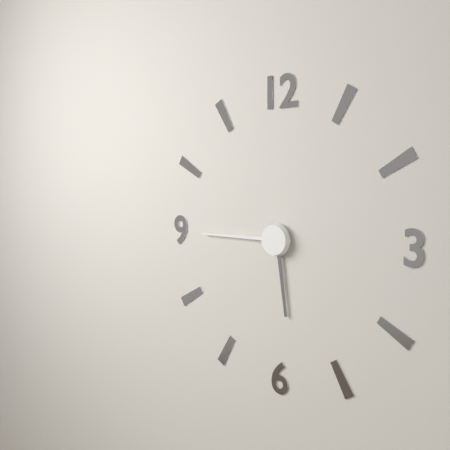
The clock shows 5:45
